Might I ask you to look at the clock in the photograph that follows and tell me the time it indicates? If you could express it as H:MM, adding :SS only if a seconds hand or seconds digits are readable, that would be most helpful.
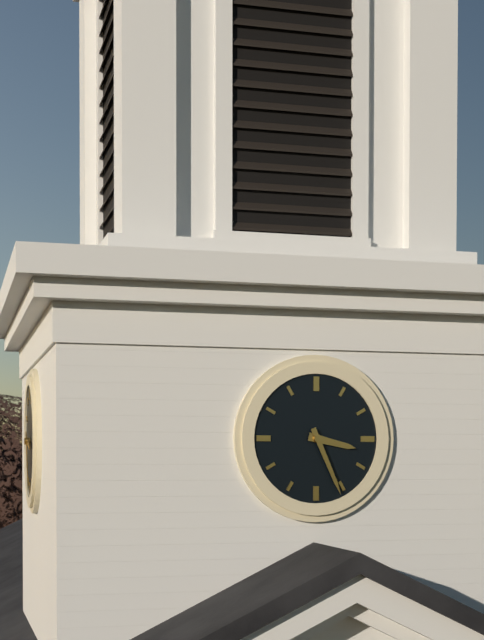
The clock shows 3:26
